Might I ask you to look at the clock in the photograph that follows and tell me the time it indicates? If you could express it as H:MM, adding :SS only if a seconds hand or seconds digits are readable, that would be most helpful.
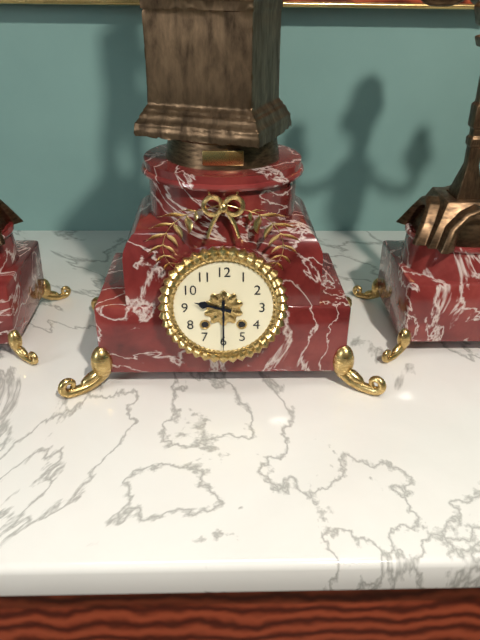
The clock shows 9:30
